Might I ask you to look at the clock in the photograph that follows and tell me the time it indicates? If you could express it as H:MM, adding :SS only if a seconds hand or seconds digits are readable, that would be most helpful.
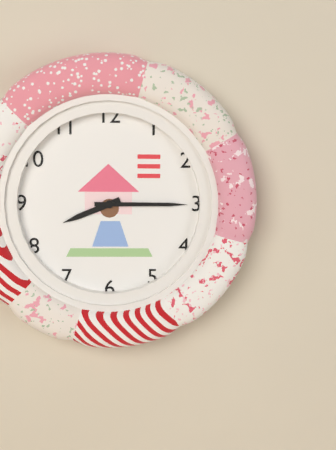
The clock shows 8:15
